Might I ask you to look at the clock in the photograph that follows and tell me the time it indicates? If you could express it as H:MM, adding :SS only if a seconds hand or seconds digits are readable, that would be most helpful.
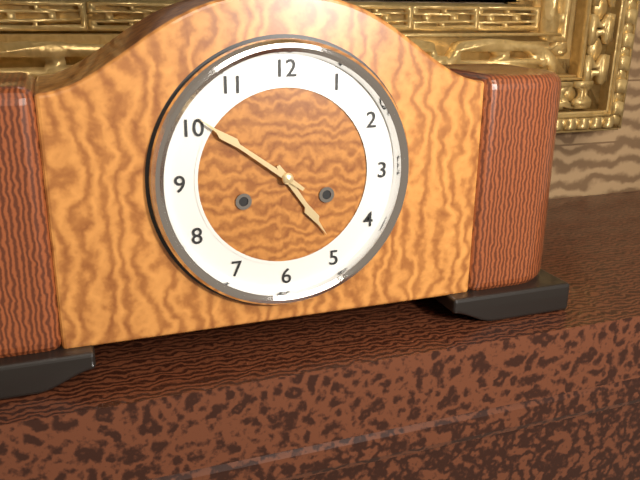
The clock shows 4:51
